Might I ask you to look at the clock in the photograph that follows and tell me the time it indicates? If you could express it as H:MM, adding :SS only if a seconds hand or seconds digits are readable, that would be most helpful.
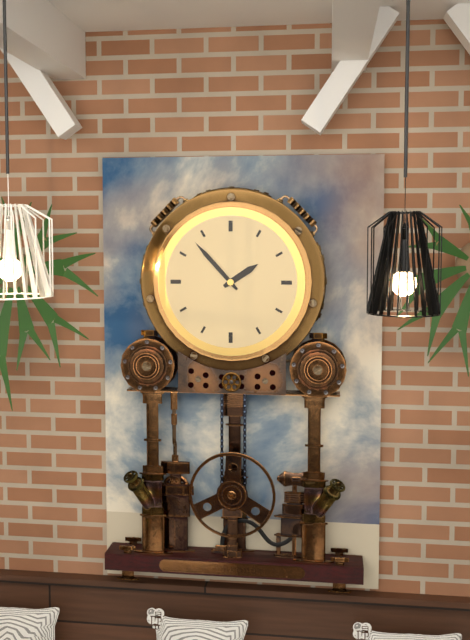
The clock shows 1:53
